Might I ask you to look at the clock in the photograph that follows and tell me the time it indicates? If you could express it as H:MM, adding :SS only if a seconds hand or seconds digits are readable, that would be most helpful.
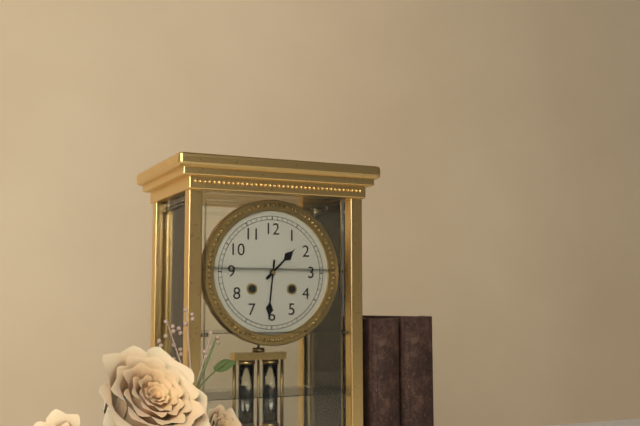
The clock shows 1:31
